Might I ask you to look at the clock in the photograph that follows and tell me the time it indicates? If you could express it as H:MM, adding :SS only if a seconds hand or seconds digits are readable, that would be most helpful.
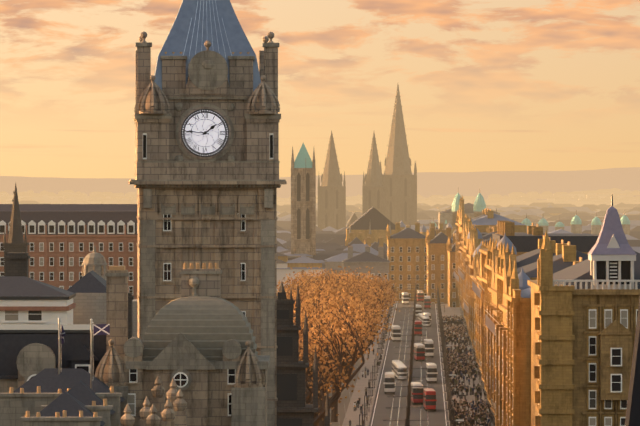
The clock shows 1:46
